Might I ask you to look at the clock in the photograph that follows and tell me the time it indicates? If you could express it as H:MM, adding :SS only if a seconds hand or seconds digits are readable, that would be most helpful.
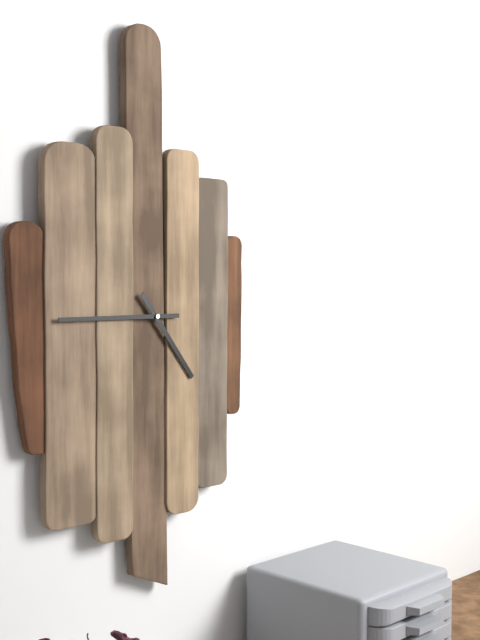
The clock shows 4:45
